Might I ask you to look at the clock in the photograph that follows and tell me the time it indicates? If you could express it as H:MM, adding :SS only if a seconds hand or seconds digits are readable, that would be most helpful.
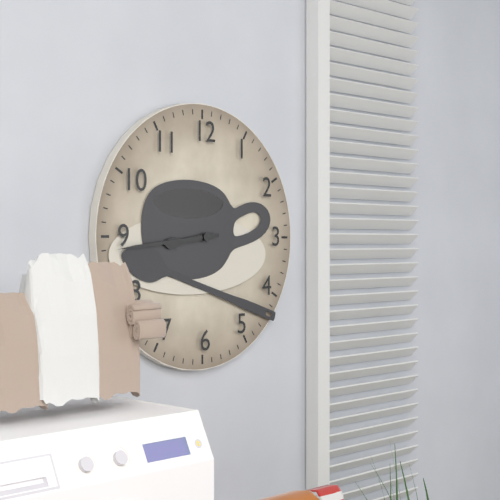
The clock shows 8:44
